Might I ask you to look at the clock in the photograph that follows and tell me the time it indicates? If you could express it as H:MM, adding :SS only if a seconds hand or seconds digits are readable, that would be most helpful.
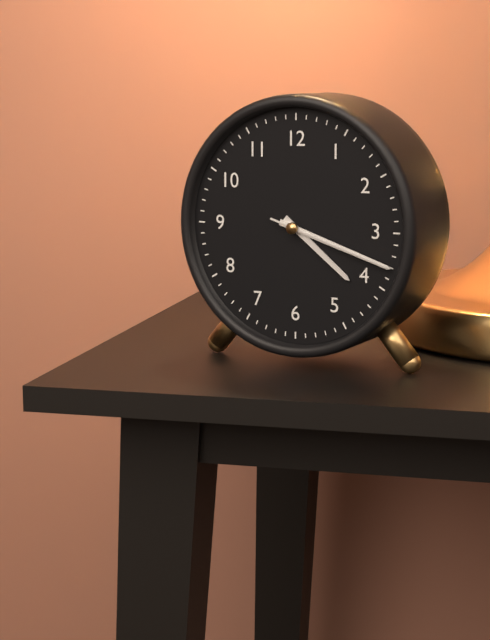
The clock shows 4:18:18
